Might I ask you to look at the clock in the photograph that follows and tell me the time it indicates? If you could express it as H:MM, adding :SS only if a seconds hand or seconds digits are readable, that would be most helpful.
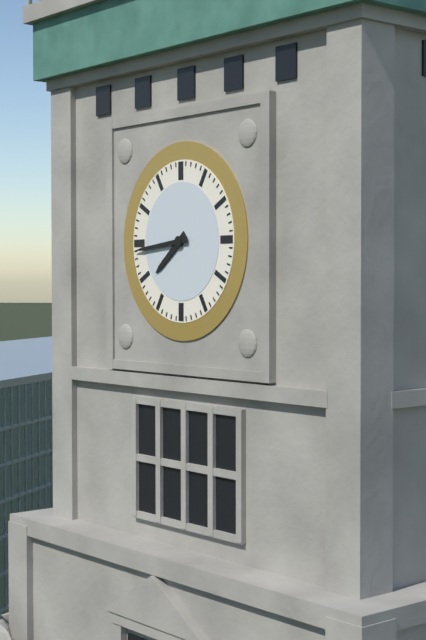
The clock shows 7:44
